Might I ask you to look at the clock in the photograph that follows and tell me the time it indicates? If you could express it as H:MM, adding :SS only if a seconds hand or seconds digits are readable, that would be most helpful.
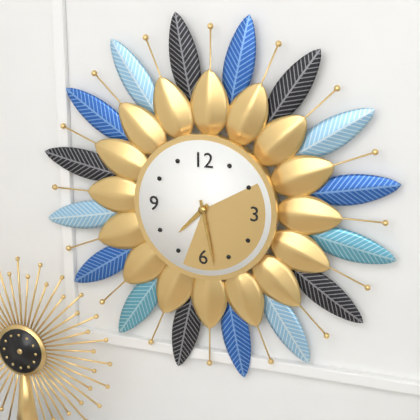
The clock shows 7:28
